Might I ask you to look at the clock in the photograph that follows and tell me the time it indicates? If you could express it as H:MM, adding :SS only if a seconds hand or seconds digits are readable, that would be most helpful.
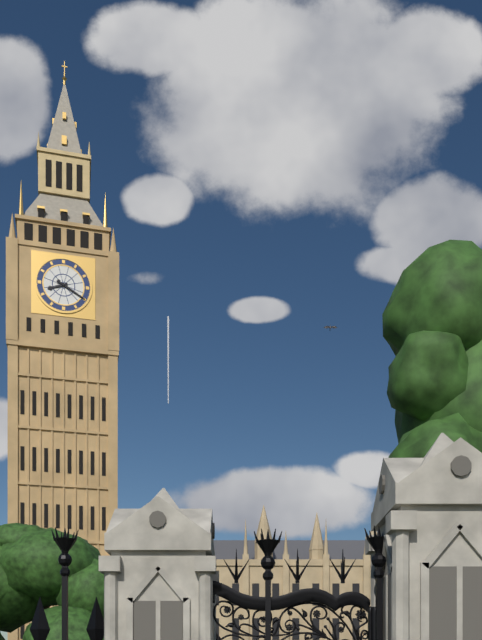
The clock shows 8:20
